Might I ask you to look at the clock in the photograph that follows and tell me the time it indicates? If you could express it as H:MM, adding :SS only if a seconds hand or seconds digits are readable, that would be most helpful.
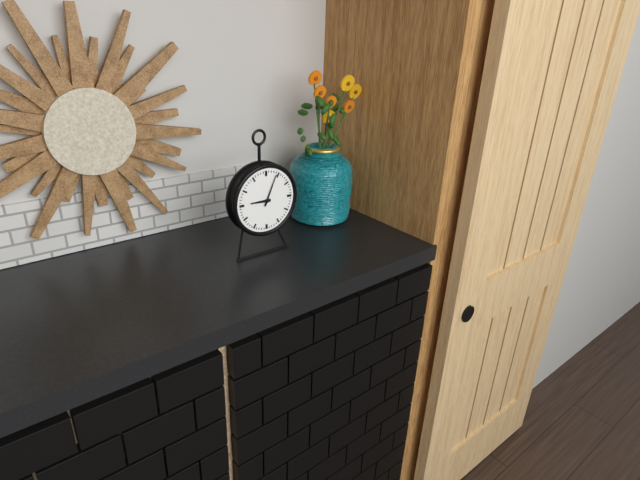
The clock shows 9:04
